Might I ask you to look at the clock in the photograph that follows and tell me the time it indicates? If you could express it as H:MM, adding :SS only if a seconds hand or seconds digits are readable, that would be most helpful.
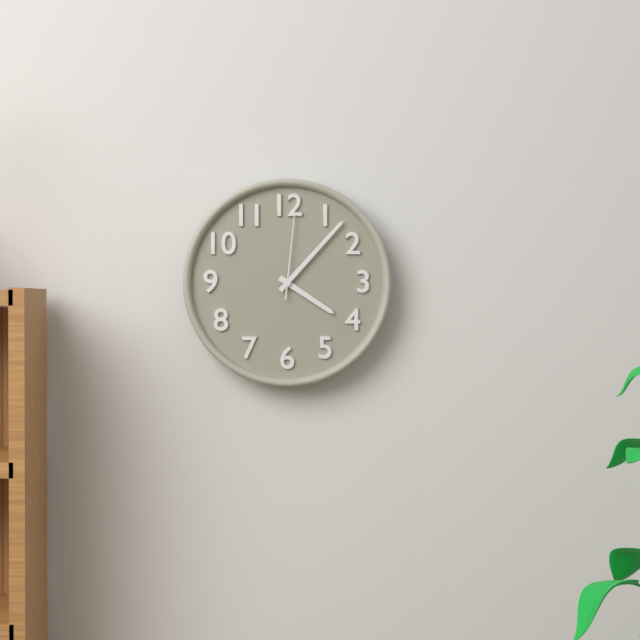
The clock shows 4:07:01
